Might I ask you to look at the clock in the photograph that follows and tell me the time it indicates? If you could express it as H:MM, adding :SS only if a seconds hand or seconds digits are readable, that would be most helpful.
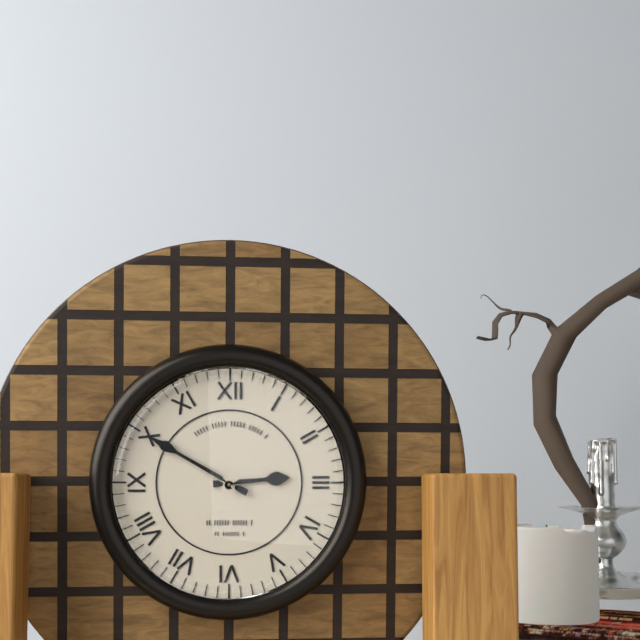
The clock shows 2:50
